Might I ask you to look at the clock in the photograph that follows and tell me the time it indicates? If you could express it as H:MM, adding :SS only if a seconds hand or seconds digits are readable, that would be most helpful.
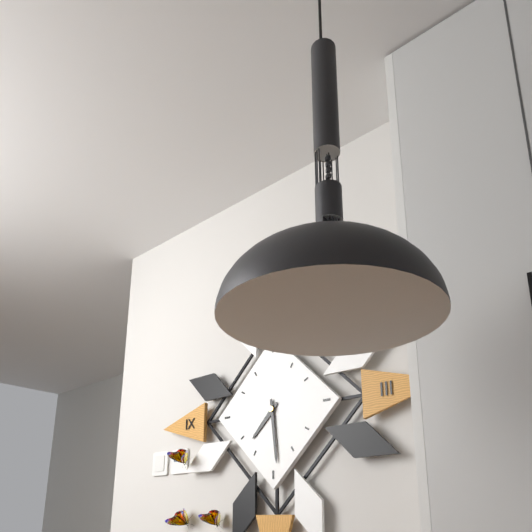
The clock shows 7:29
